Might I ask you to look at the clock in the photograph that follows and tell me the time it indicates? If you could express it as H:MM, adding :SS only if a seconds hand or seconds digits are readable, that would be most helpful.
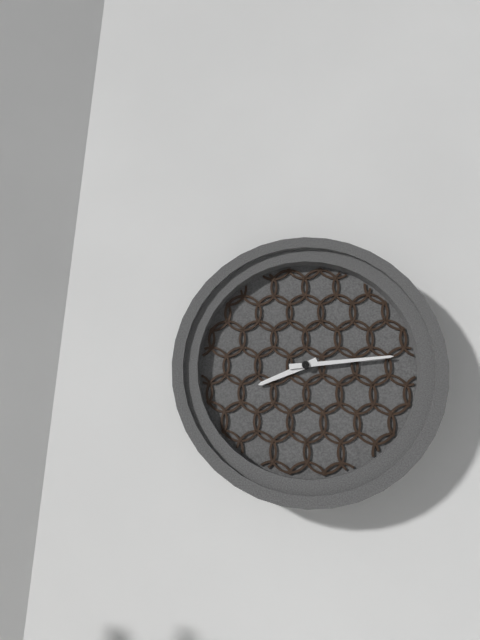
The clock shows 8:14
